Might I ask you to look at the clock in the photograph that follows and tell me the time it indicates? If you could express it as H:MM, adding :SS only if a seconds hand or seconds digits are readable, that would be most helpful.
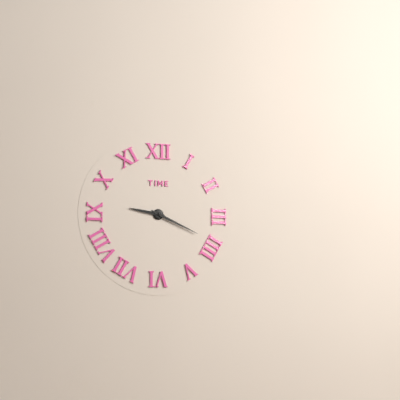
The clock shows 9:19
